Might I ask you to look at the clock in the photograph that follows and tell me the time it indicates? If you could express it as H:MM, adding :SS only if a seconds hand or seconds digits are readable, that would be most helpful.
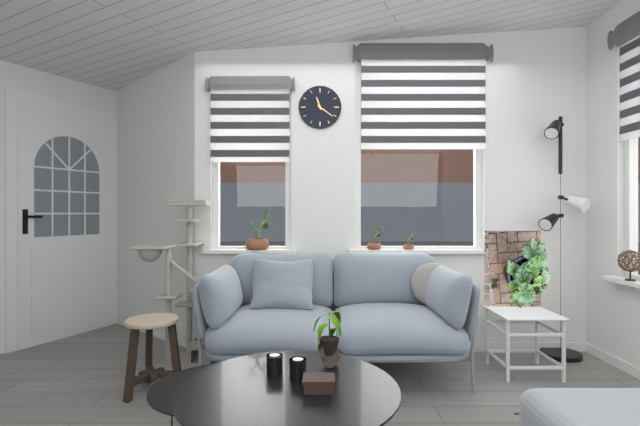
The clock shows 11:21
